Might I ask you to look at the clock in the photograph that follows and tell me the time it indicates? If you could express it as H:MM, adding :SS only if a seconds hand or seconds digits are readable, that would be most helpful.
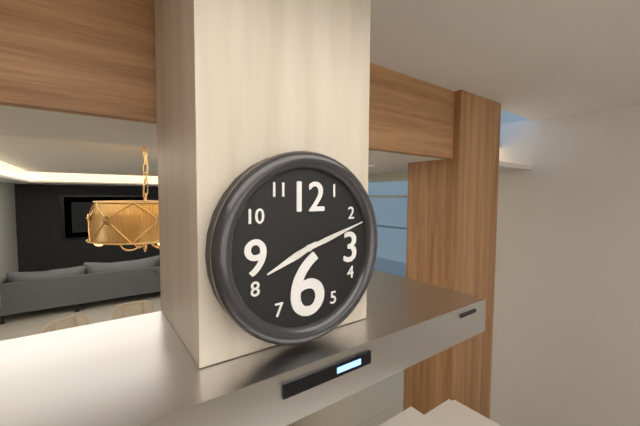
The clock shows 8:12
